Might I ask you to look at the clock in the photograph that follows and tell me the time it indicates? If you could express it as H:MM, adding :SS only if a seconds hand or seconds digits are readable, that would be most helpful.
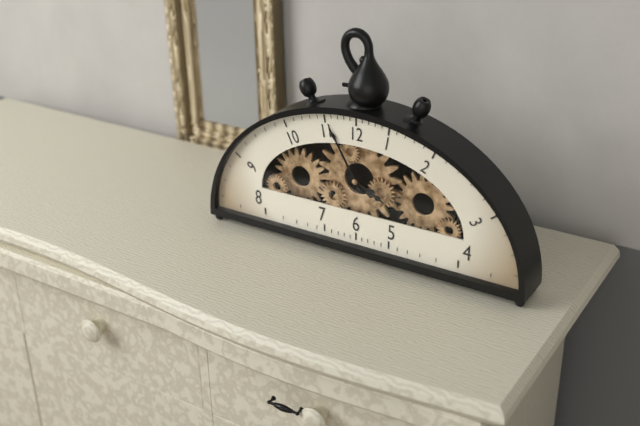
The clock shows 3:55
